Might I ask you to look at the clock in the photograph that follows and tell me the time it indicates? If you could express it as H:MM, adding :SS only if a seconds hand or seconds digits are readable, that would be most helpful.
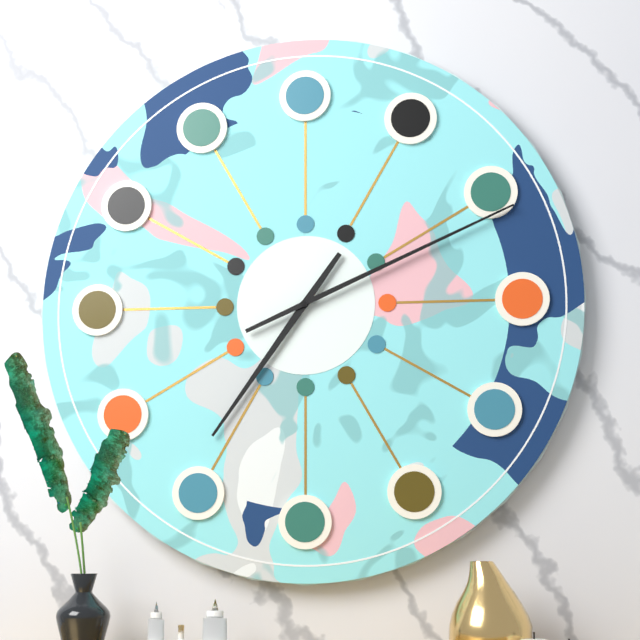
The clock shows 7:11
